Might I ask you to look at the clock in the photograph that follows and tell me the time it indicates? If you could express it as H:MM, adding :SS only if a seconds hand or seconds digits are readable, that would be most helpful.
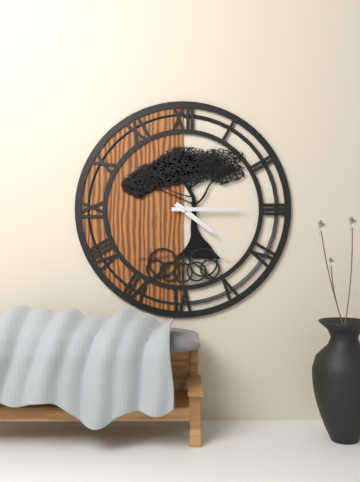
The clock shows 4:15
